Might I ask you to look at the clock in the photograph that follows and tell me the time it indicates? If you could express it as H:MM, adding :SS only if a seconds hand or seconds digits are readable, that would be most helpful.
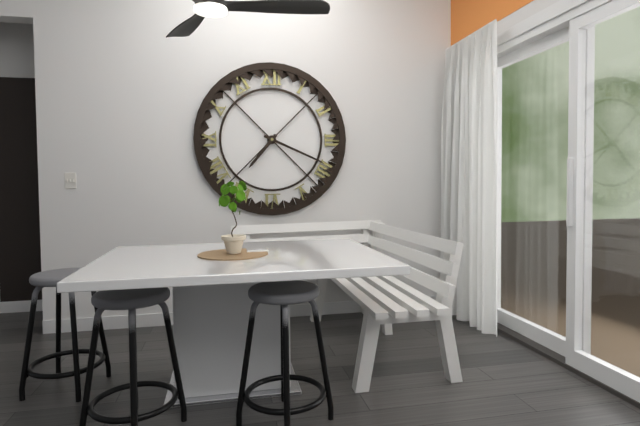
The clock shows 7:19
